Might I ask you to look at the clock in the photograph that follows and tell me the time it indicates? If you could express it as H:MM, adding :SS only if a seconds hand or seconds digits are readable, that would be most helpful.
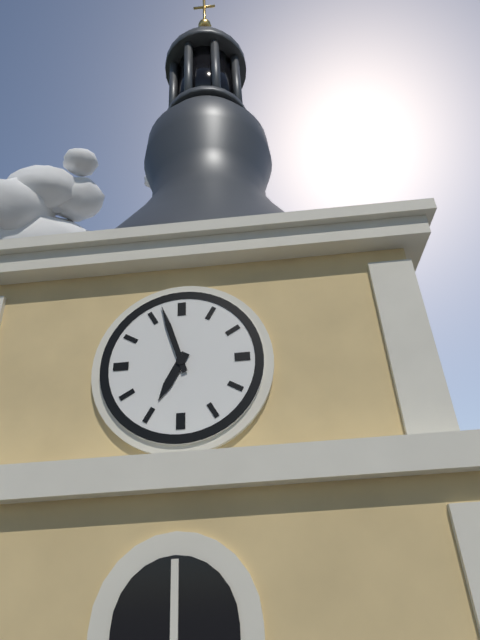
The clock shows 6:57
